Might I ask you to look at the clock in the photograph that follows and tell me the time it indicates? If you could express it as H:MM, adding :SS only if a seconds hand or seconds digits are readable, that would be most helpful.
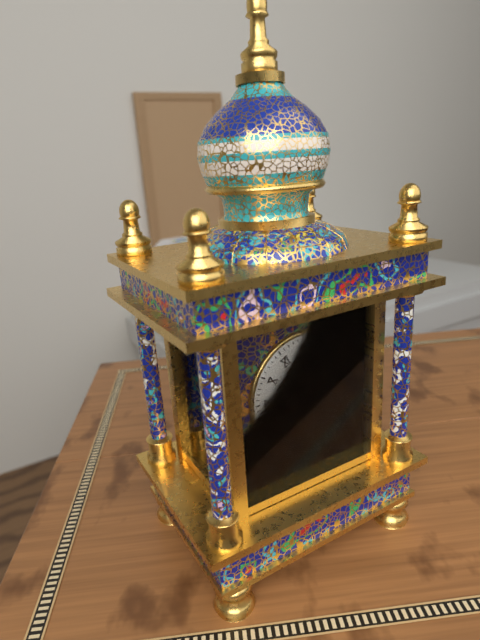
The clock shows 9:42:30
